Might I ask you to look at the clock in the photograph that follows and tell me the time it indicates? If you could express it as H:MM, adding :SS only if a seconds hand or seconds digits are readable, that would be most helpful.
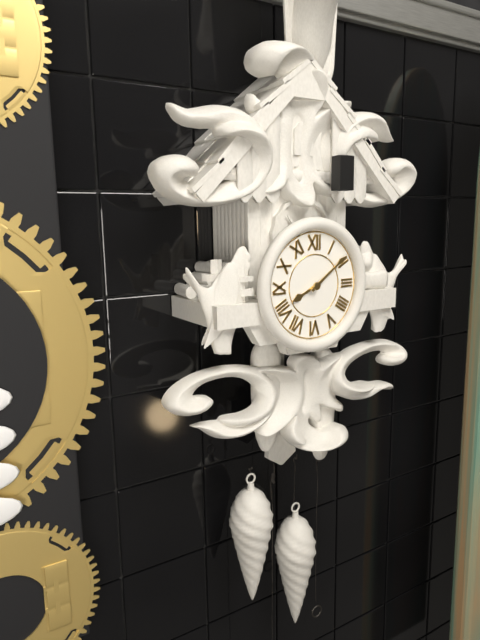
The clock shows 8:09
